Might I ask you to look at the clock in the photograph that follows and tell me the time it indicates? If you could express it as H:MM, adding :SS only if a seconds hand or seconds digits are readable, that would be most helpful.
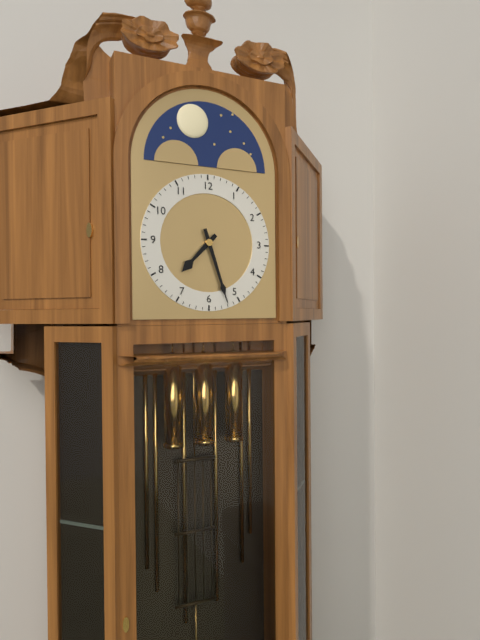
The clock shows 7:27
